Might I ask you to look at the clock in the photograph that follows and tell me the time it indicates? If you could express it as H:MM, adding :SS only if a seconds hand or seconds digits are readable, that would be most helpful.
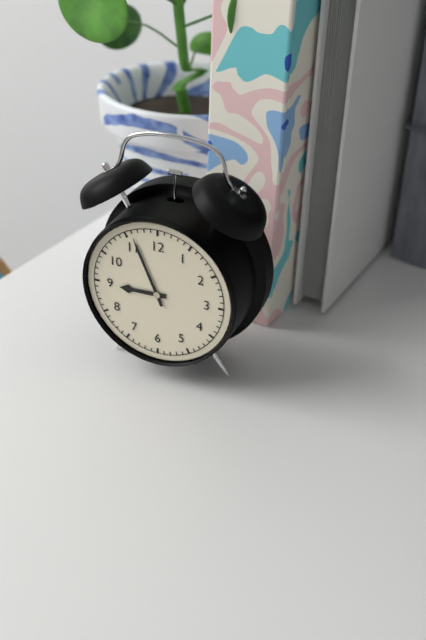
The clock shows 8:56
